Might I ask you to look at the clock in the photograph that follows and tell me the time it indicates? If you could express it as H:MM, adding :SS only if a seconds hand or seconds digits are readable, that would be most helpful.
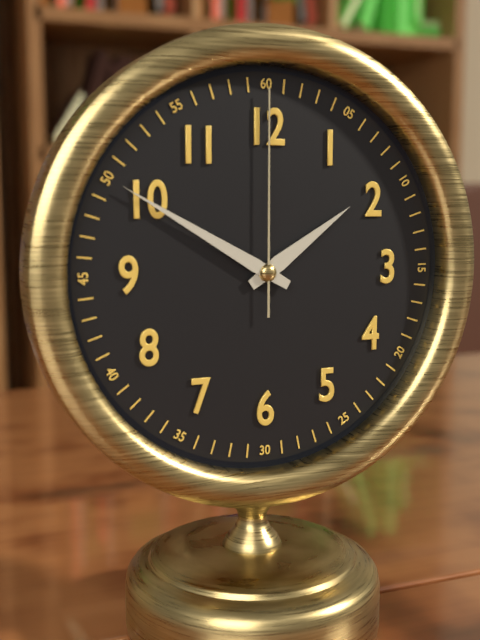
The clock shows 1:50:00
